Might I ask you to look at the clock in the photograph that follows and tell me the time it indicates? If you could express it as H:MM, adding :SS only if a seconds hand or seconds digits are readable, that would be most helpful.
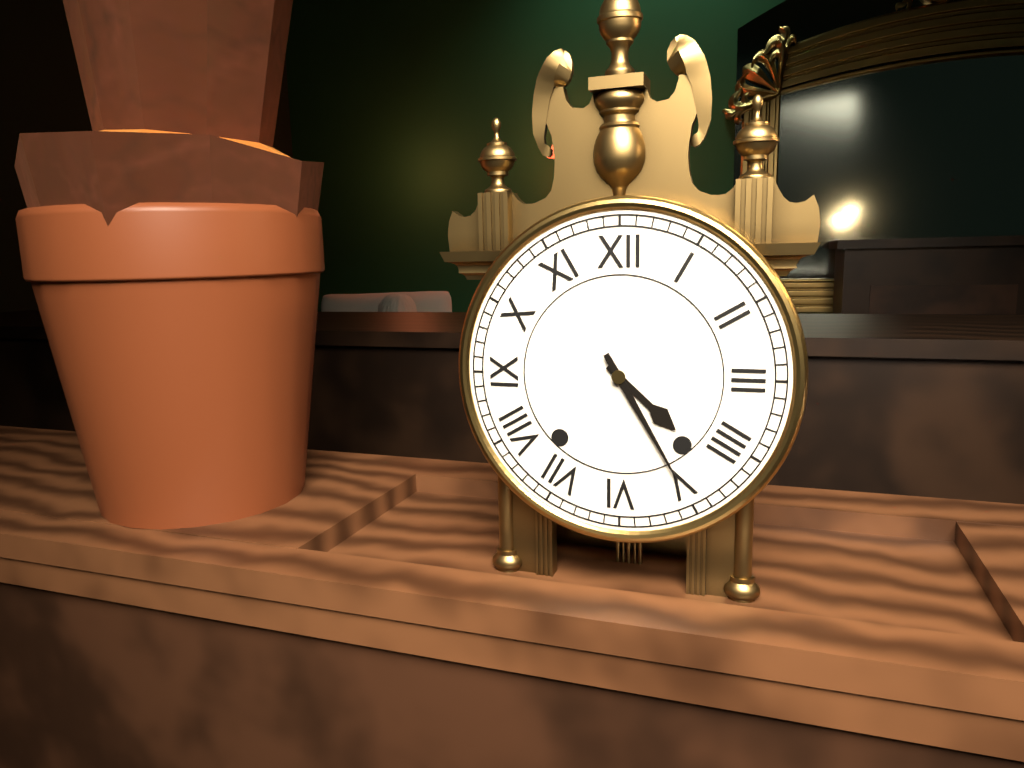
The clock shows 4:25
